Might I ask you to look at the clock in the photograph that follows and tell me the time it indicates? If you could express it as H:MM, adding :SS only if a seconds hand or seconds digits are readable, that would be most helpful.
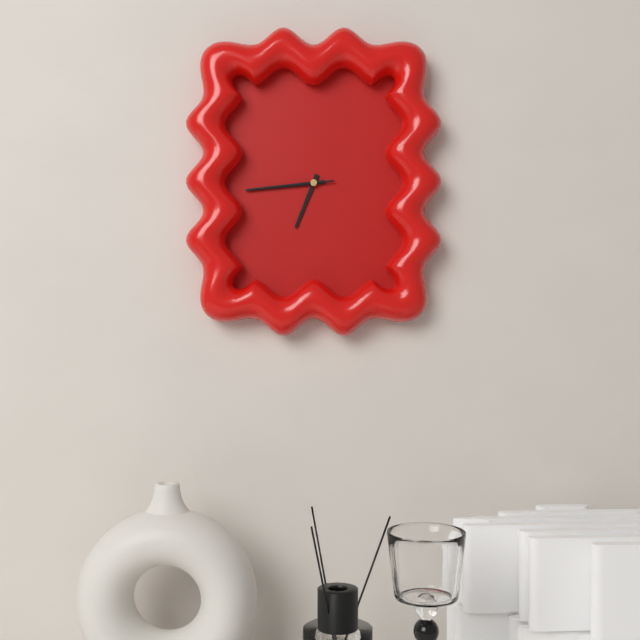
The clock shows 6:44:44
